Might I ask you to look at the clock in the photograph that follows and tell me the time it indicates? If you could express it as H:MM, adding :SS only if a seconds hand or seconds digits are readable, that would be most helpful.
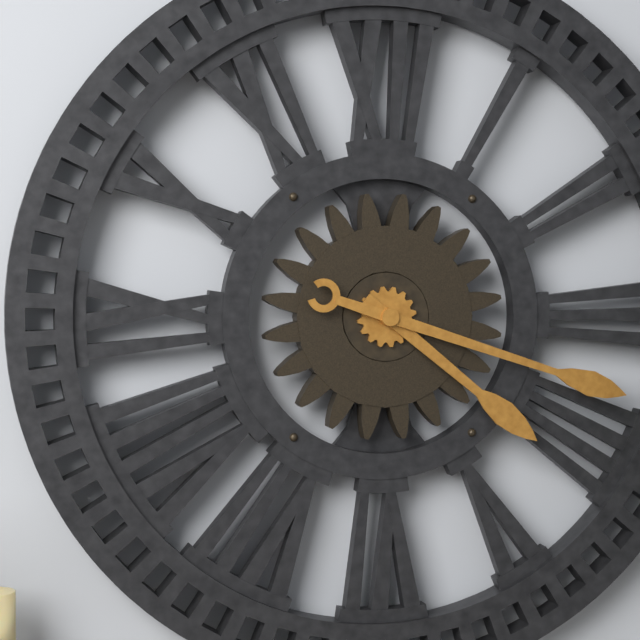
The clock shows 4:18
